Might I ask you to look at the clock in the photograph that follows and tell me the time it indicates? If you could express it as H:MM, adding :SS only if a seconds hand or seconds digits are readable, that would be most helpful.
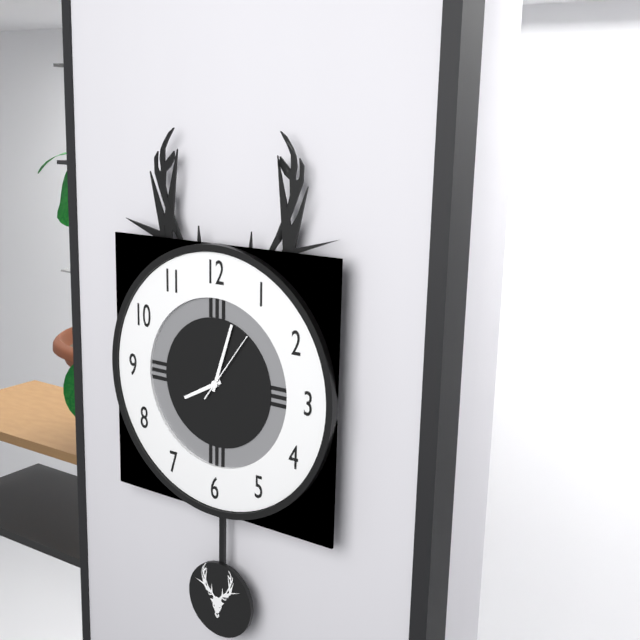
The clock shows 8:03:06
